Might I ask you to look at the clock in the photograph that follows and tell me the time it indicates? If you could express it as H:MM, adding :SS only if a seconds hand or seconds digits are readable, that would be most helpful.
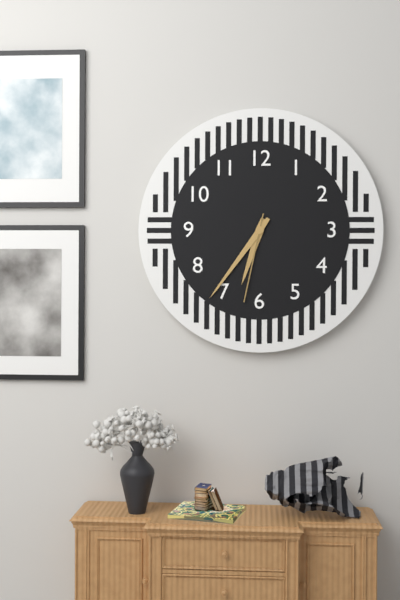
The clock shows 6:36:32
